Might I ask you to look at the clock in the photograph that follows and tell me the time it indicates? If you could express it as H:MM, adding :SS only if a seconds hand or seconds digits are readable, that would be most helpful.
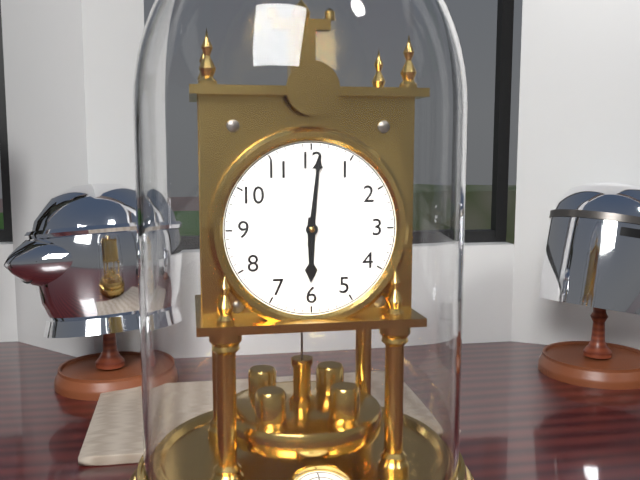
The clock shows 6:01
